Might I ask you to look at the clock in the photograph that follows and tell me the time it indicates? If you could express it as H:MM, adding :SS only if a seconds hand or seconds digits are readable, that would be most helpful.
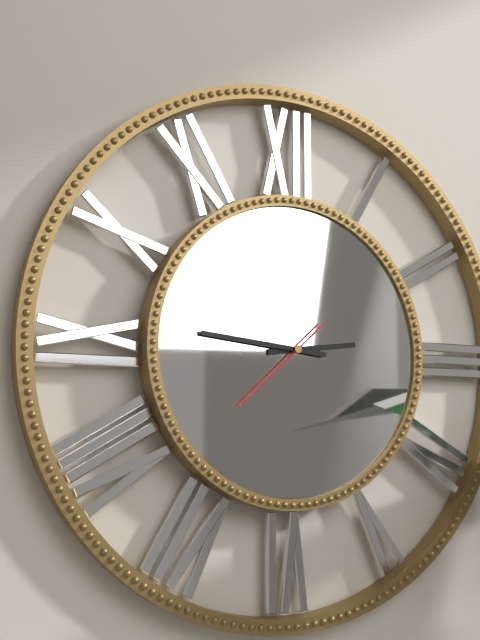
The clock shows 2:46:38
